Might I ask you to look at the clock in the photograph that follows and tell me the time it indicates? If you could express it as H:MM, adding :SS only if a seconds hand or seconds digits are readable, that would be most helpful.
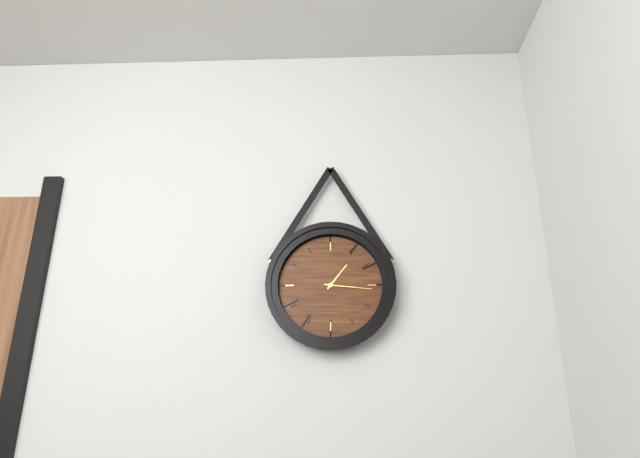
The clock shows 1:16
